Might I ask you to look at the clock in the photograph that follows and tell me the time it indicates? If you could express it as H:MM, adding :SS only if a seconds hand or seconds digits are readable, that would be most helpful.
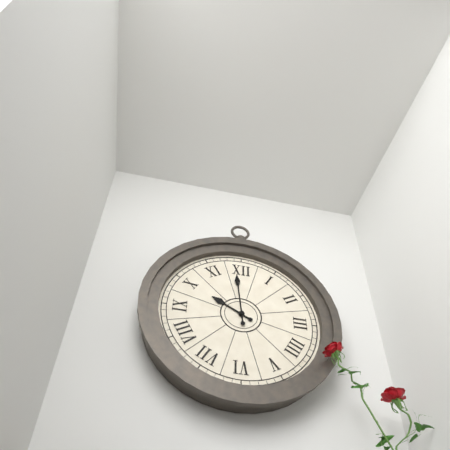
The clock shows 9:59
